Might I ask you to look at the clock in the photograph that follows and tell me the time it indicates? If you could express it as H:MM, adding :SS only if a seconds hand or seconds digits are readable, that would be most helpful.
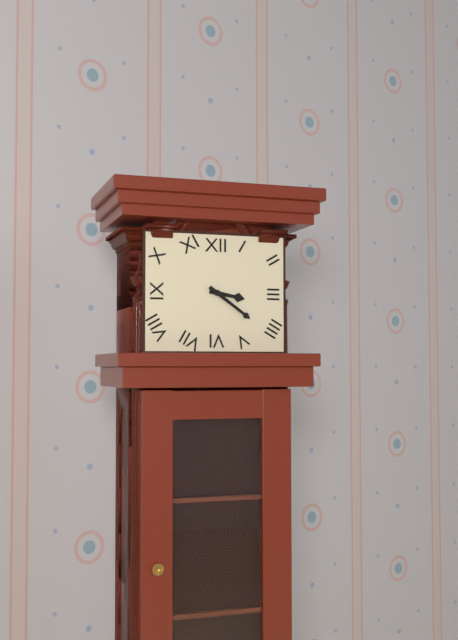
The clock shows 3:21
